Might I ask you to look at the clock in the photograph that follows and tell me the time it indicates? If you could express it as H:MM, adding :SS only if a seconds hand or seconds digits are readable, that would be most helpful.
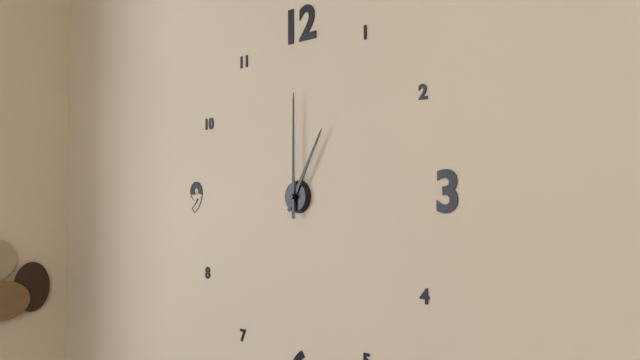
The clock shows 1:00
